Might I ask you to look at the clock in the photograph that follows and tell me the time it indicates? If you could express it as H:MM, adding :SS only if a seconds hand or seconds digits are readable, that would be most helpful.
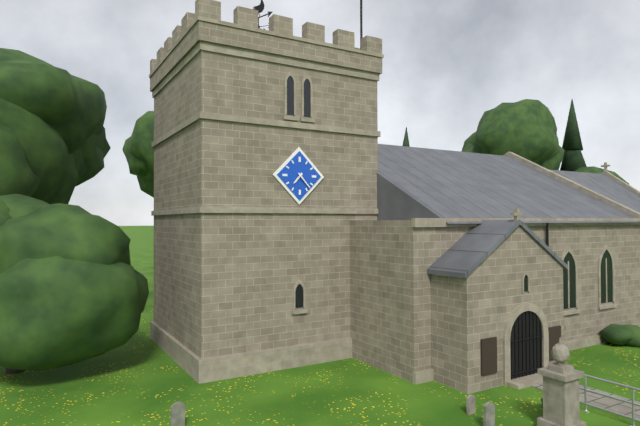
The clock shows 7:23
